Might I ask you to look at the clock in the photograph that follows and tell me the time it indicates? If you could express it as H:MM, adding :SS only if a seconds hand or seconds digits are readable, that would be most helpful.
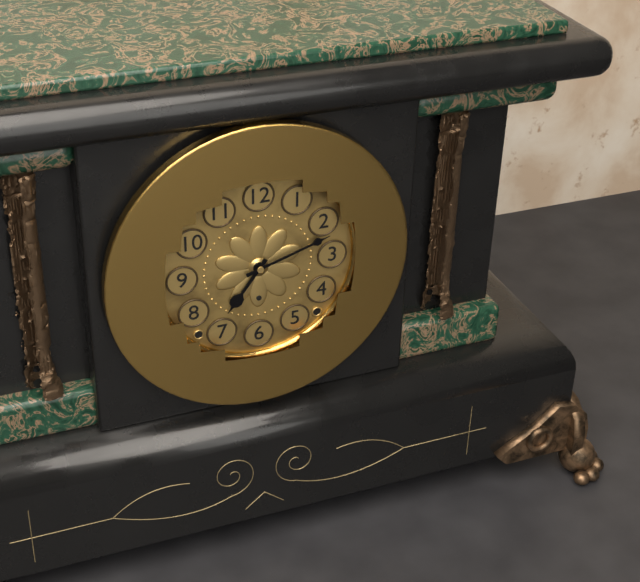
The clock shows 7:12
